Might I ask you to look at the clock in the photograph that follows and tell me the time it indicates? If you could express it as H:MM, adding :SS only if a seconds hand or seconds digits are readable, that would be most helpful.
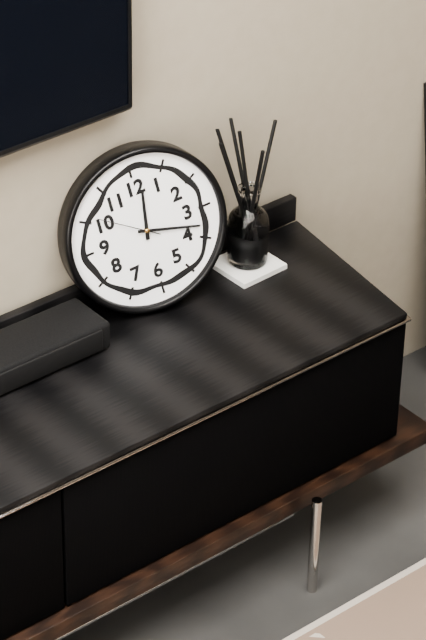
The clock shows 12:18:51
